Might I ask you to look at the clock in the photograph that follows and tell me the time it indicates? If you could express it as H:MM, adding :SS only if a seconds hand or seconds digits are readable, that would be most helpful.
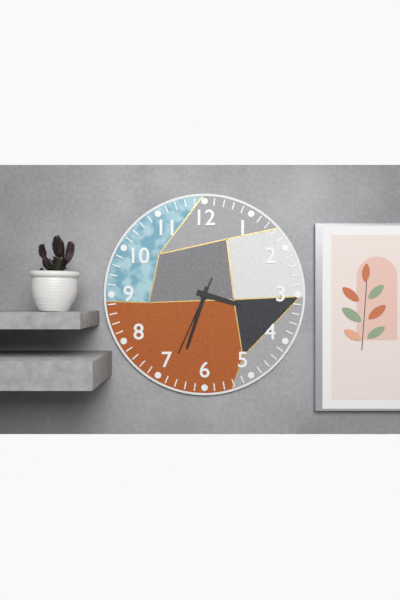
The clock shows 3:33:34
